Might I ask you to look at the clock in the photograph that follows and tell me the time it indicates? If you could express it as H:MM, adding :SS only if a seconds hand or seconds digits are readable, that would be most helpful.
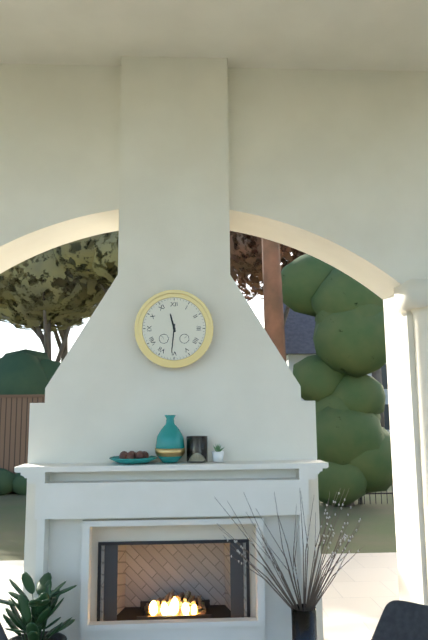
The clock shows 11:31
